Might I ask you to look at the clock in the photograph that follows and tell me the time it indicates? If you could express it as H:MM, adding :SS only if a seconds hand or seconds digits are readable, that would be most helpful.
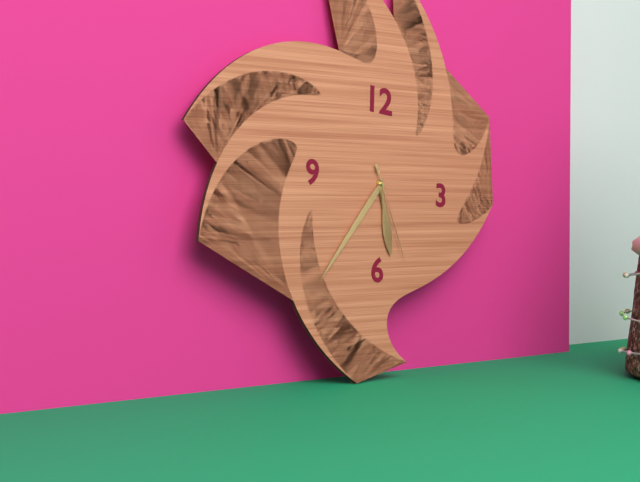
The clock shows 5:36:26
